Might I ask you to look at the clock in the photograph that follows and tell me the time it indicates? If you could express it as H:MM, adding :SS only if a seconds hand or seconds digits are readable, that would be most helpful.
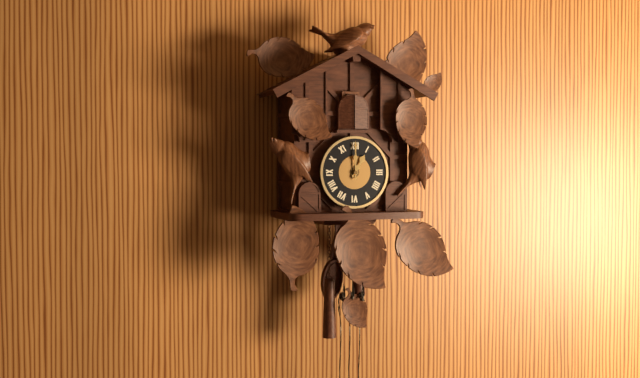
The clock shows 1:00
